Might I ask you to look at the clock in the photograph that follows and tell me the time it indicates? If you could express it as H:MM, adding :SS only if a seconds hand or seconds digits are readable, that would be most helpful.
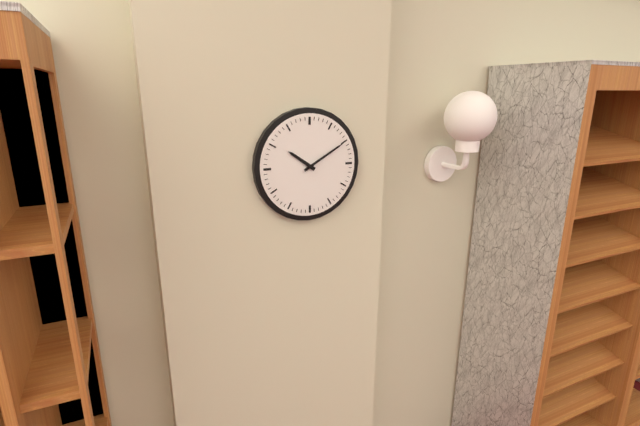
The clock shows 10:10
